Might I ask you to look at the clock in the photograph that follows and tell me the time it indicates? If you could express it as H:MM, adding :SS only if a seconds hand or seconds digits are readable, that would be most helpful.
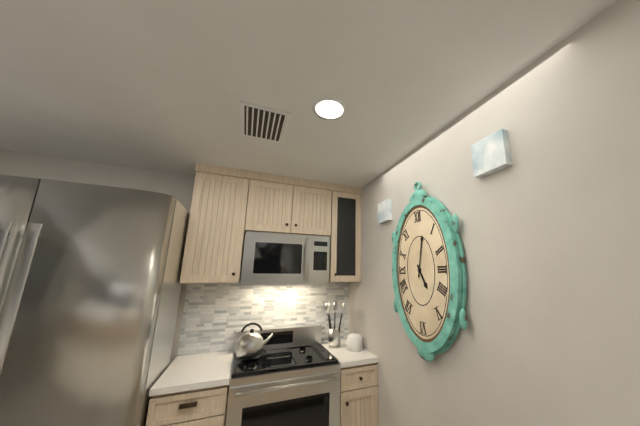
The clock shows 5:02
